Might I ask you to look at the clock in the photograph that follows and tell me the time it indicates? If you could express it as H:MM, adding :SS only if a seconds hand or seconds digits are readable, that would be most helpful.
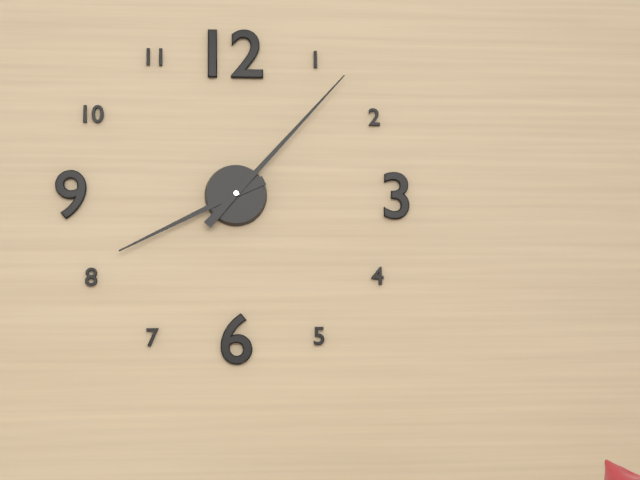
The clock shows 8:07
